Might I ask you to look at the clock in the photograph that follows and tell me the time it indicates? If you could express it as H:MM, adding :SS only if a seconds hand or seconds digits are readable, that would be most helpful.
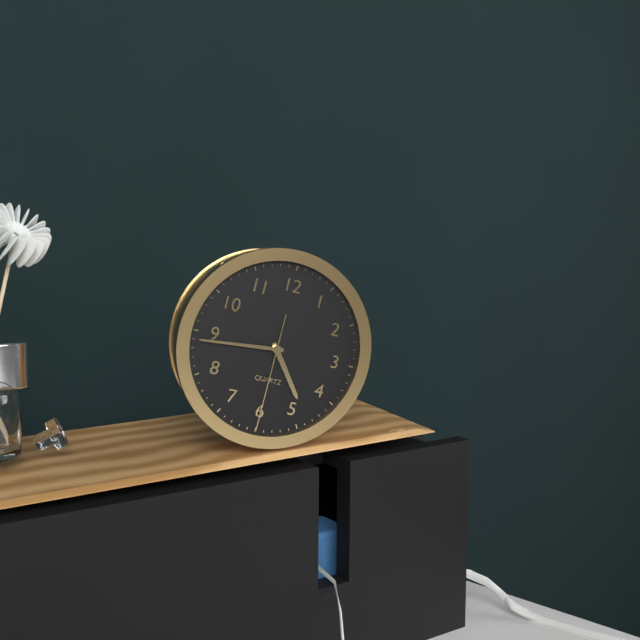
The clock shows 4:44:30
